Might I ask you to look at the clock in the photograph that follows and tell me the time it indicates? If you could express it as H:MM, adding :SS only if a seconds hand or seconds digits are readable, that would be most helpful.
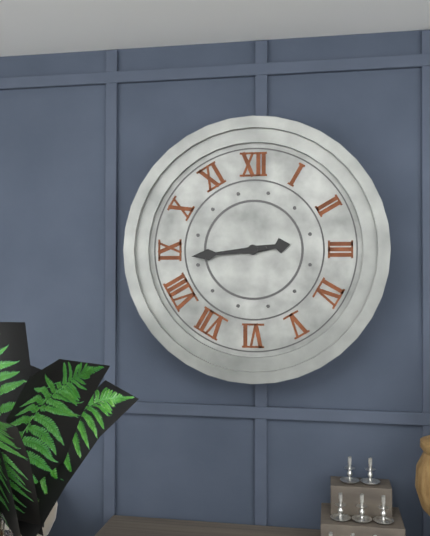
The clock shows 2:44
